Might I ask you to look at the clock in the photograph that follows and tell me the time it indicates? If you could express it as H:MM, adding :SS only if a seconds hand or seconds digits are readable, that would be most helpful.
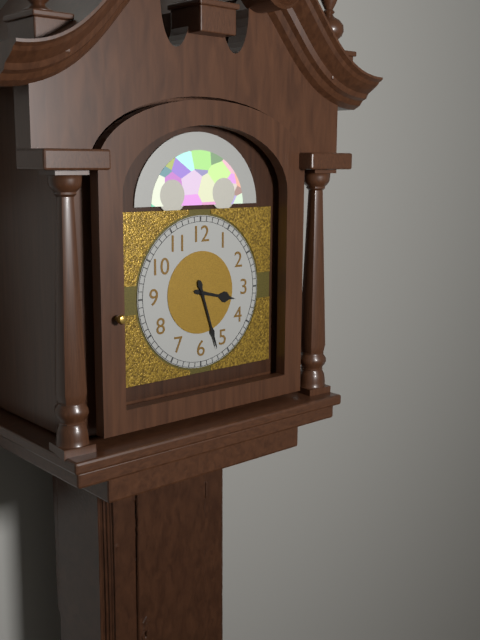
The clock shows 3:27
